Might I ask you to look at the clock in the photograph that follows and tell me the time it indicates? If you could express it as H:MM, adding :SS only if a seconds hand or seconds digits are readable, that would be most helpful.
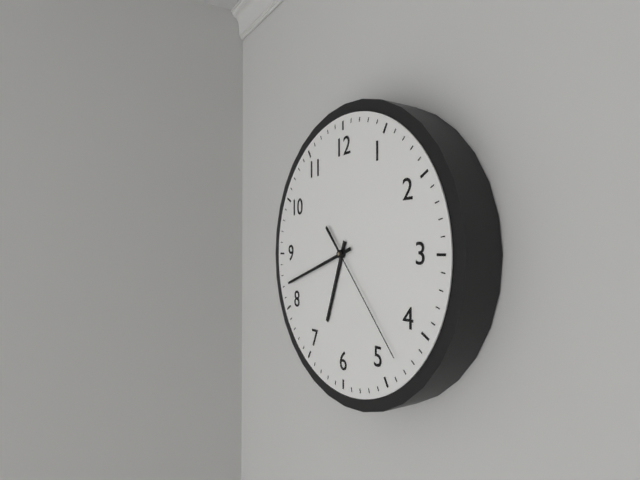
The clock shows 6:42:23
